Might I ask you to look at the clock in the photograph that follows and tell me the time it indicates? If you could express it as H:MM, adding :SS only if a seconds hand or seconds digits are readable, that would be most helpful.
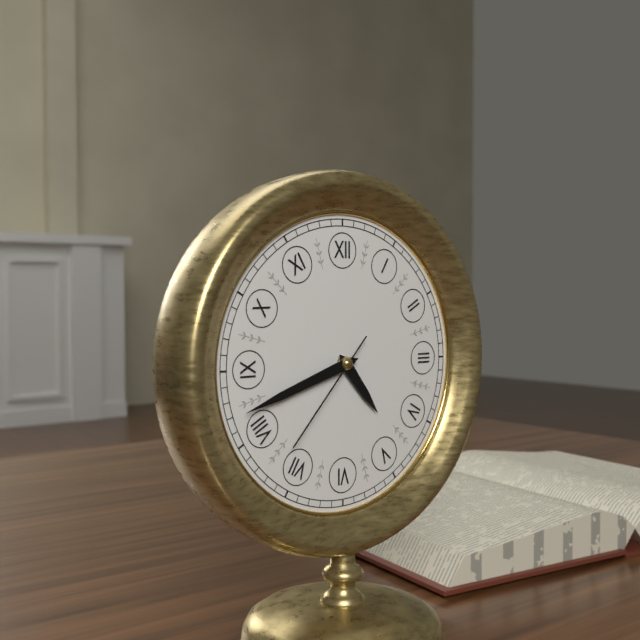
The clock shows 4:42:37
